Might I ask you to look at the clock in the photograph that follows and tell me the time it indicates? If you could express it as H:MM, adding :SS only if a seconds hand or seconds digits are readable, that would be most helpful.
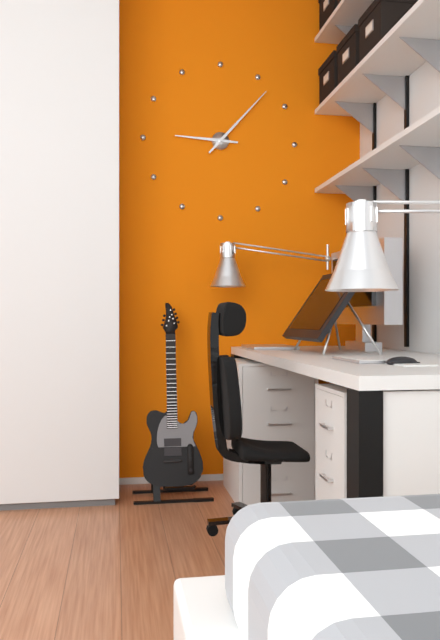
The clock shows 9:07
